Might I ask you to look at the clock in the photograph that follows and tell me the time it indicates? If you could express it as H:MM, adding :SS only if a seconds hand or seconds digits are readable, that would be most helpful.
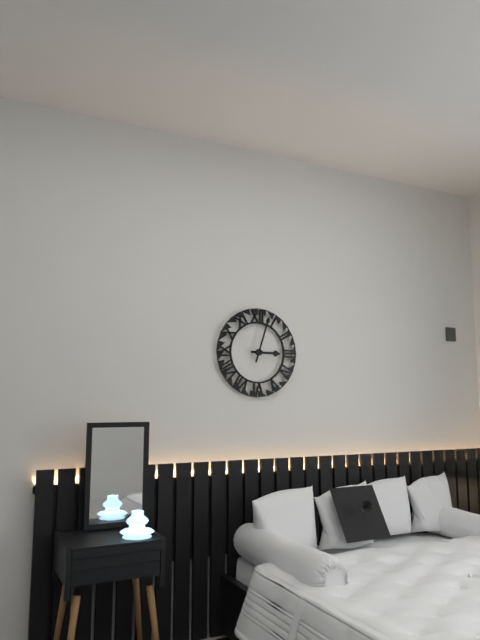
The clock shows 3:03
